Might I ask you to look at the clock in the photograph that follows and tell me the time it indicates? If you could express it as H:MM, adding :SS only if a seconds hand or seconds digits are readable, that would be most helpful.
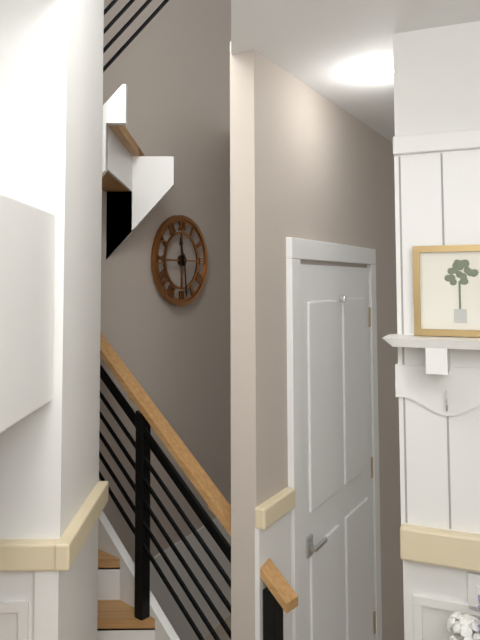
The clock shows 11:29
